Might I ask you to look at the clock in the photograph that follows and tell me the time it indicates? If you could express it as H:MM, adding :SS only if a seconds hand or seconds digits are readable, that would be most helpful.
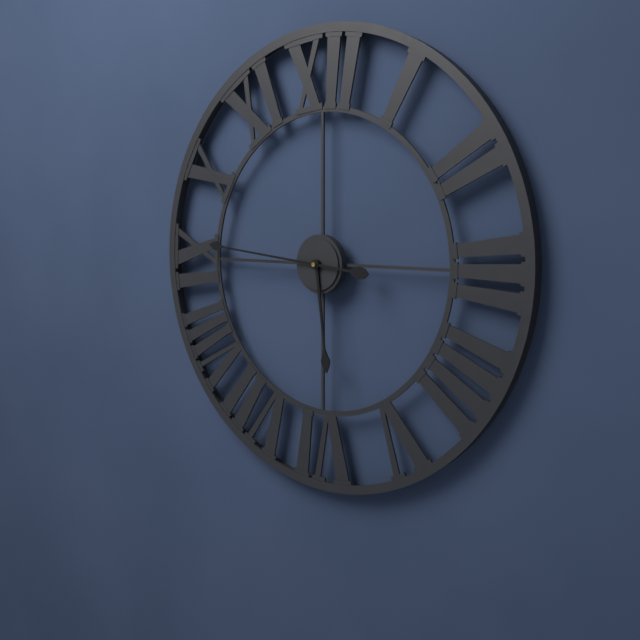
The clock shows 5:46
